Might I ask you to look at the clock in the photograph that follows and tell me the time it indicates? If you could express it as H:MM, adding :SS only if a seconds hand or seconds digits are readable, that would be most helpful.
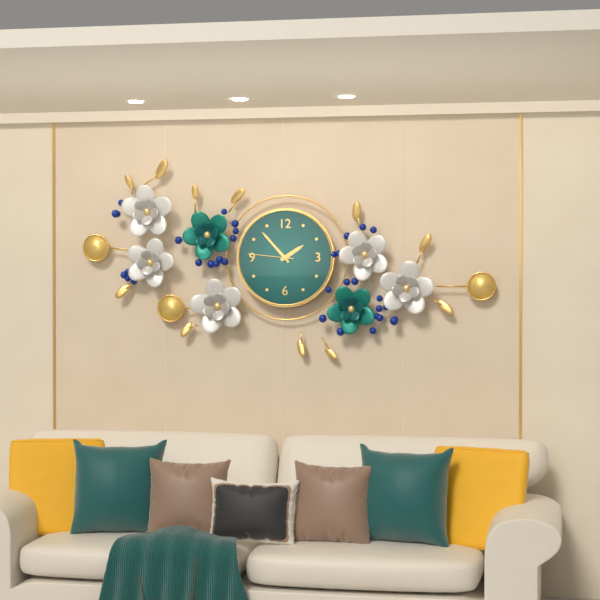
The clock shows 1:53
